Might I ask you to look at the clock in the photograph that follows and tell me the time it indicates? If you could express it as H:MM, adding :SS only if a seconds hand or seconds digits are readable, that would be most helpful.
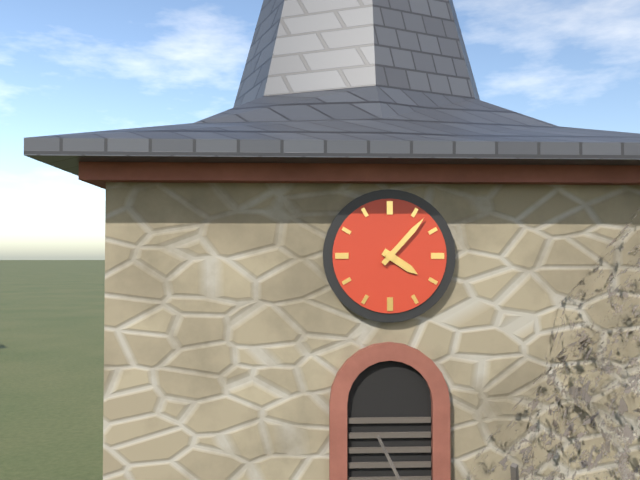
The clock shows 4:07
